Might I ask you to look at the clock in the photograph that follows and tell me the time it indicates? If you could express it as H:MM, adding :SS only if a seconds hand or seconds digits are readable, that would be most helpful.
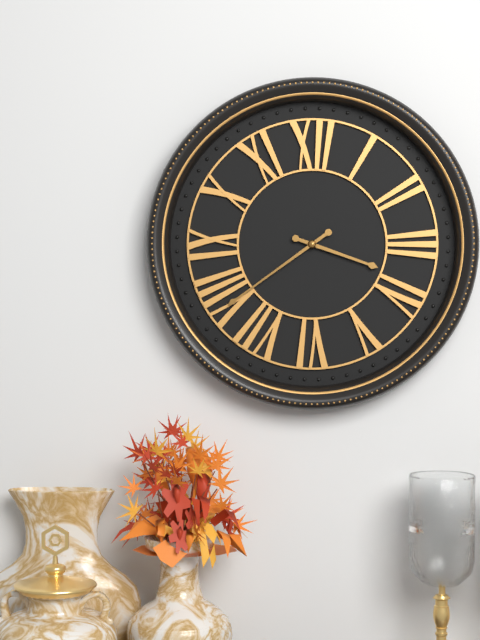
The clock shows 3:39
